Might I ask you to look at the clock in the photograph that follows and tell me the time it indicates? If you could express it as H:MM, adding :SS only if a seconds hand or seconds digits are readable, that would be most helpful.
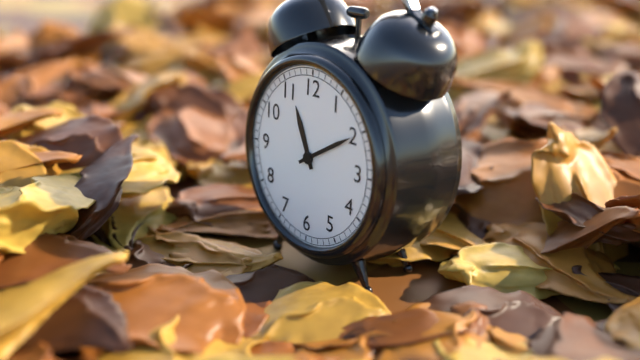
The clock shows 11:10
